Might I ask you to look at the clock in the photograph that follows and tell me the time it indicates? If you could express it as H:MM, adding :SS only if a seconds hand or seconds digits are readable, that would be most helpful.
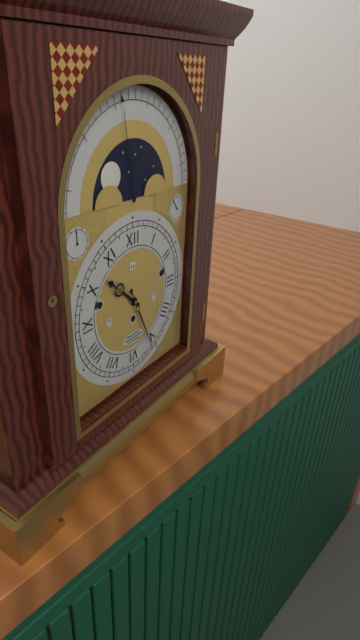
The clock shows 10:26
